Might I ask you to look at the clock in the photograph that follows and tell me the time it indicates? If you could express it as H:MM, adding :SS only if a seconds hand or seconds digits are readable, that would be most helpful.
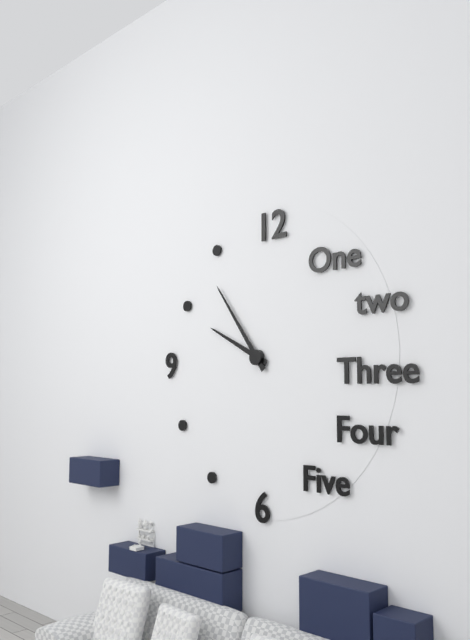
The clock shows 9:54
